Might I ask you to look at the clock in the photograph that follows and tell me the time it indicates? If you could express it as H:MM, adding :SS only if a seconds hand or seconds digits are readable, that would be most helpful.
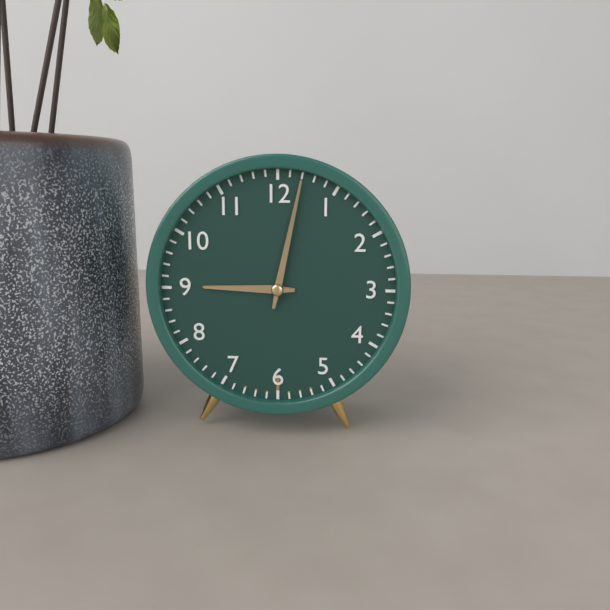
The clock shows 9:02
